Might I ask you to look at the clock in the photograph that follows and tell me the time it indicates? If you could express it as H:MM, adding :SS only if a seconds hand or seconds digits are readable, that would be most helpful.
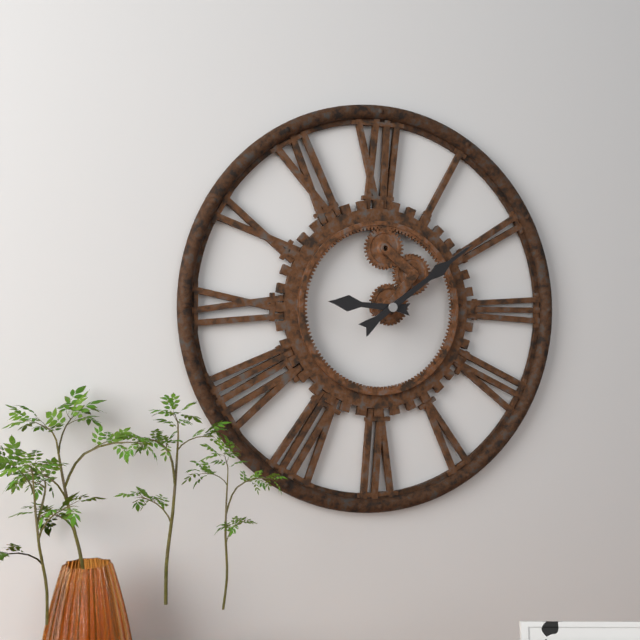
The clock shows 9:09
